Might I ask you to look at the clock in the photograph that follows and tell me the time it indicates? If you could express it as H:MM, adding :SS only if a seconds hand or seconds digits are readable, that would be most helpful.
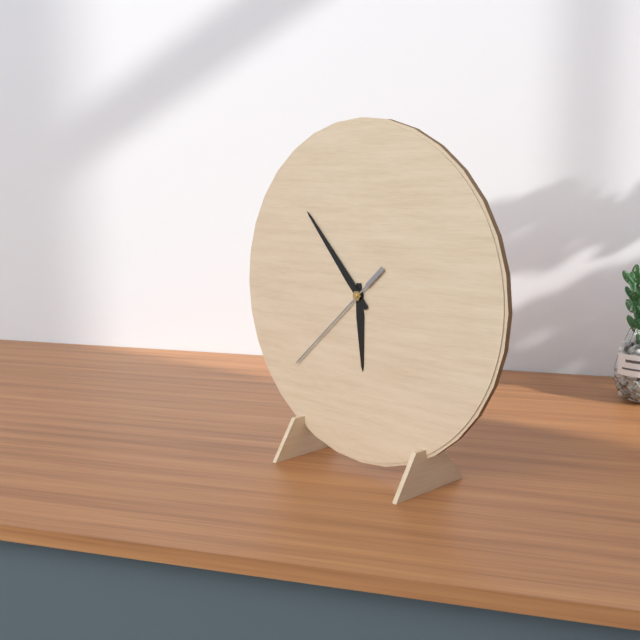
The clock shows 5:53:38
